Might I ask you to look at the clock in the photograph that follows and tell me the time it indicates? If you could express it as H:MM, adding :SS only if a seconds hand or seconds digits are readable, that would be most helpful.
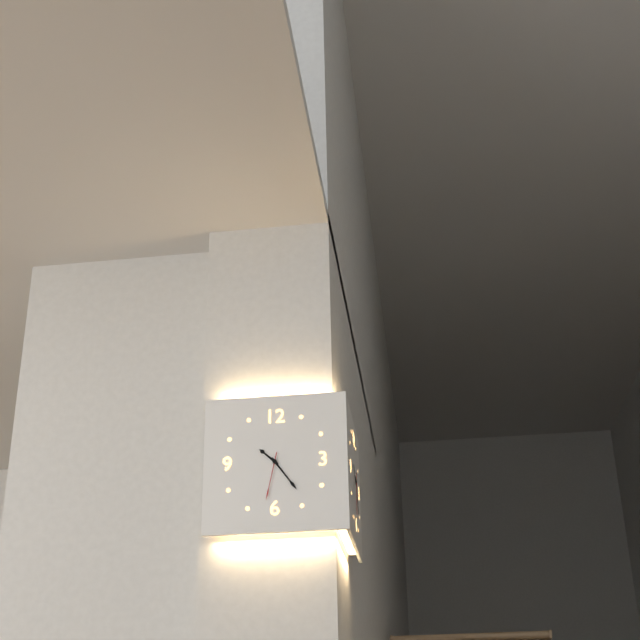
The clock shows 10:24:32
